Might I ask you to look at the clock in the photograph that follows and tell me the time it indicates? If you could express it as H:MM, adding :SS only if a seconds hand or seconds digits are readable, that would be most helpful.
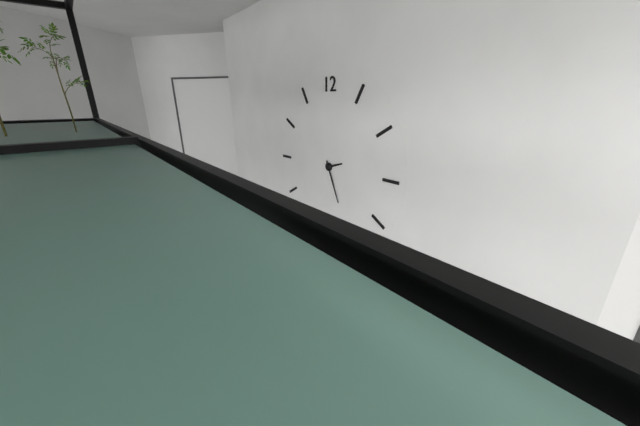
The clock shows 2:26
